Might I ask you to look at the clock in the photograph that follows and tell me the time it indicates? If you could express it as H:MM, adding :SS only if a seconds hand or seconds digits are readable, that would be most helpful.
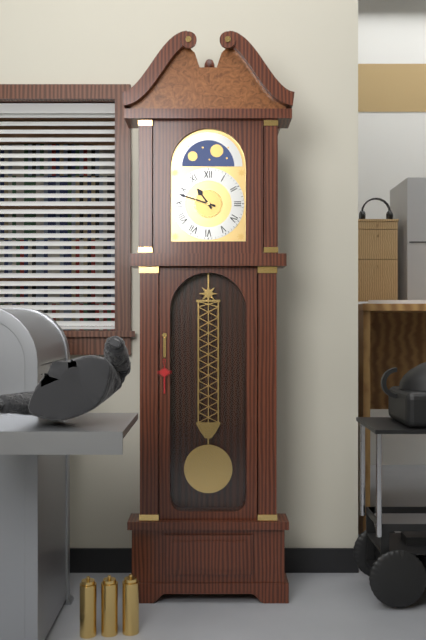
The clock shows 10:48
